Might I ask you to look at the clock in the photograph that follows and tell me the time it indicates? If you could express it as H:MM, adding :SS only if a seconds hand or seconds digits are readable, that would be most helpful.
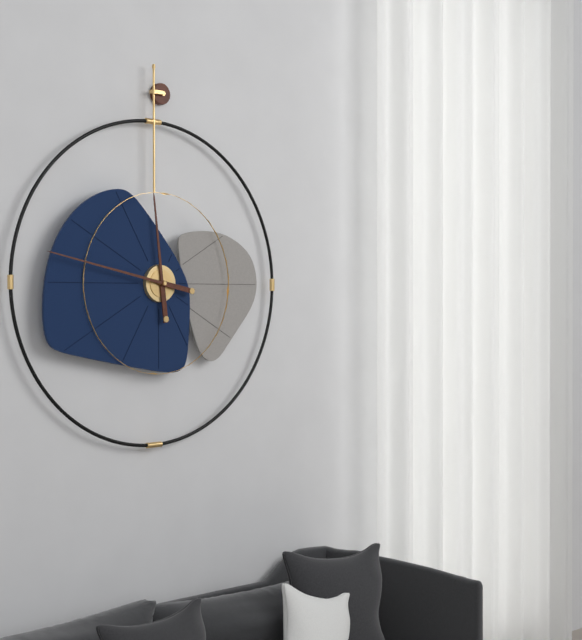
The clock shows 11:47
